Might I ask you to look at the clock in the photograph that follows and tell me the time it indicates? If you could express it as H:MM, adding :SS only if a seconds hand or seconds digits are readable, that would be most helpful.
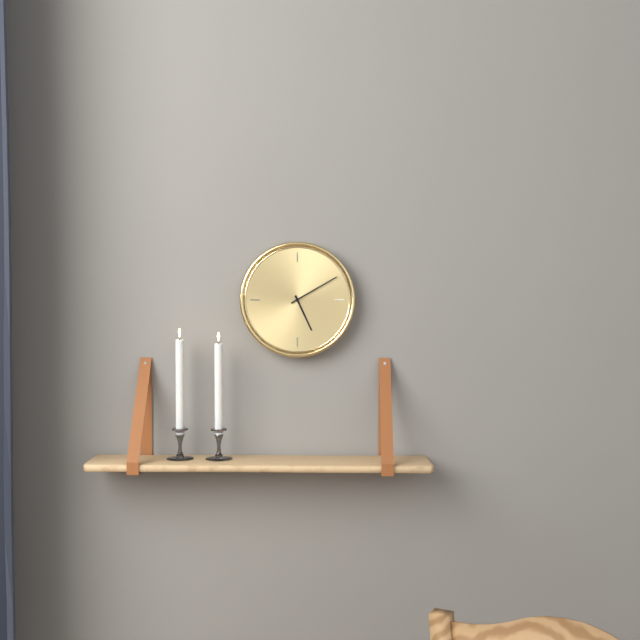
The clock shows 5:10
